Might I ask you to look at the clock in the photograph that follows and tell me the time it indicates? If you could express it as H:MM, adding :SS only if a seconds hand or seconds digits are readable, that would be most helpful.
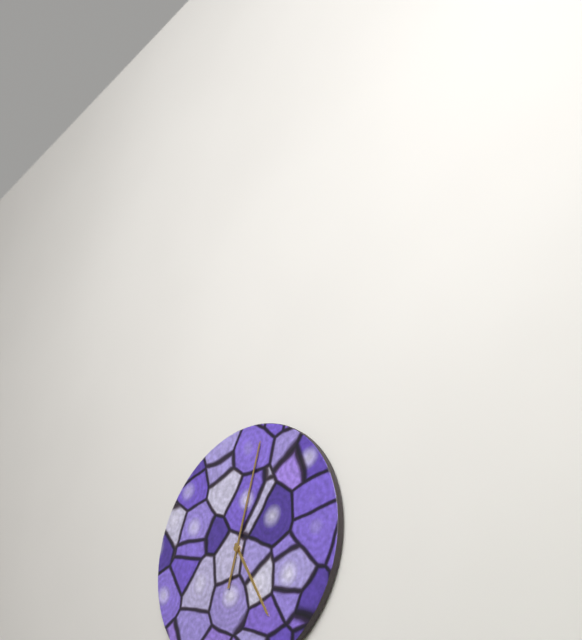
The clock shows 5:03
